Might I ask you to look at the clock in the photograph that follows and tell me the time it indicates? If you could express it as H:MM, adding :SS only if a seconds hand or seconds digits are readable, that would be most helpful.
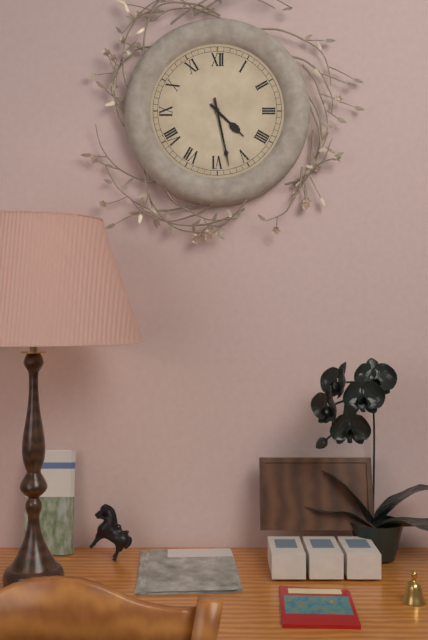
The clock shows 4:28
